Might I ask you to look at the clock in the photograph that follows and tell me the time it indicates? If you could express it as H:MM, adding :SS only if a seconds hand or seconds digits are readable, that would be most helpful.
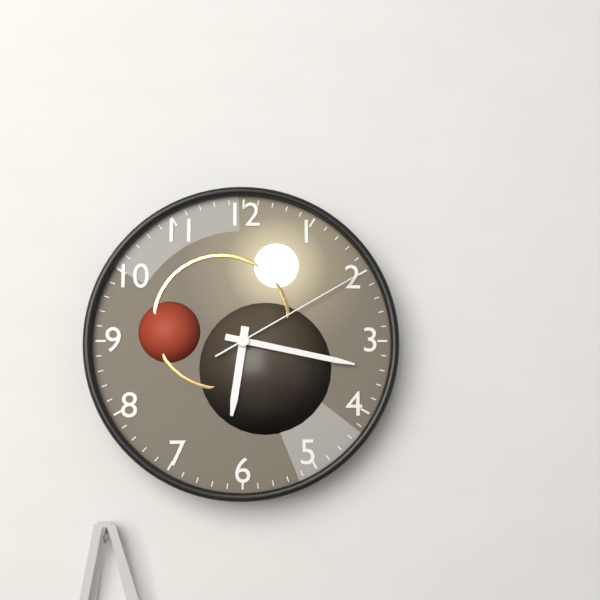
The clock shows 6:17:10
